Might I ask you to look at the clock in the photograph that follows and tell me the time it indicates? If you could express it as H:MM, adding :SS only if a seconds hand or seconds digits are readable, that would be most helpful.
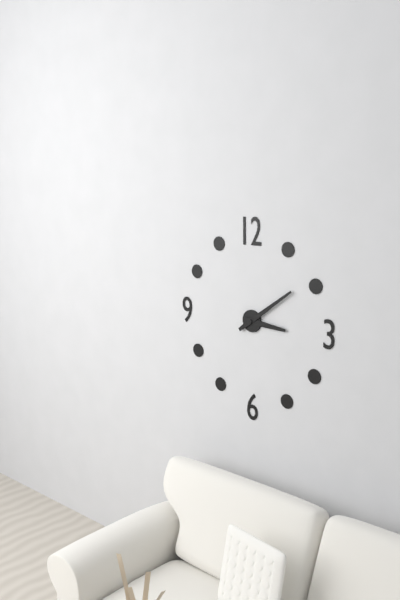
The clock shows 3:09
